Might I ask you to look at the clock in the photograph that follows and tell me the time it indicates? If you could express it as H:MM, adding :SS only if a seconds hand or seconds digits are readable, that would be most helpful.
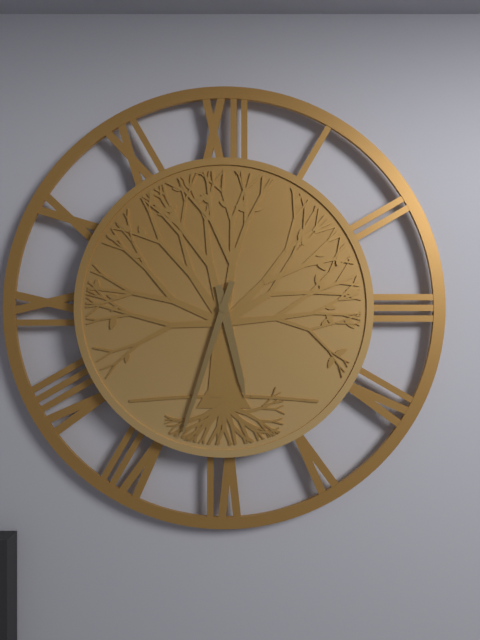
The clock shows 5:33
